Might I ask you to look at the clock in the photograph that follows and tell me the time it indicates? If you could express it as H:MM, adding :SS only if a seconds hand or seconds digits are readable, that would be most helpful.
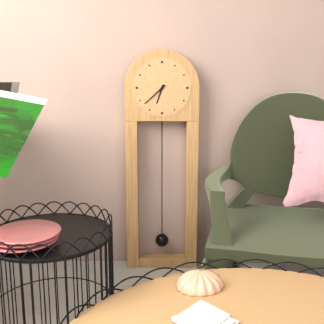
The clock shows 6:38
